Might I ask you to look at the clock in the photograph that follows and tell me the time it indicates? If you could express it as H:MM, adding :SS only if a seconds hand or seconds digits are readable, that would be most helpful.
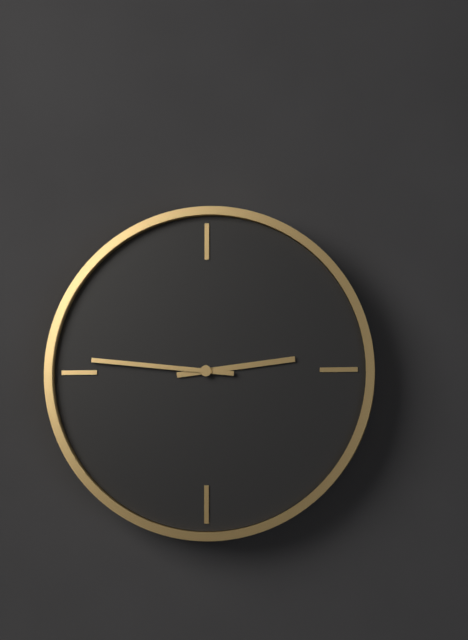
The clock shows 2:46
